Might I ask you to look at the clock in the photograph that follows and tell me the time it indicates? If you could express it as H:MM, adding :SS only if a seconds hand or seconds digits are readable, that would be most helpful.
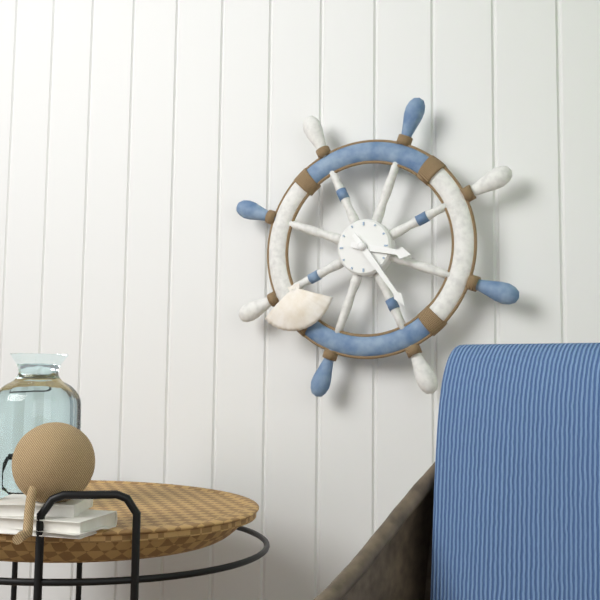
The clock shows 3:24
